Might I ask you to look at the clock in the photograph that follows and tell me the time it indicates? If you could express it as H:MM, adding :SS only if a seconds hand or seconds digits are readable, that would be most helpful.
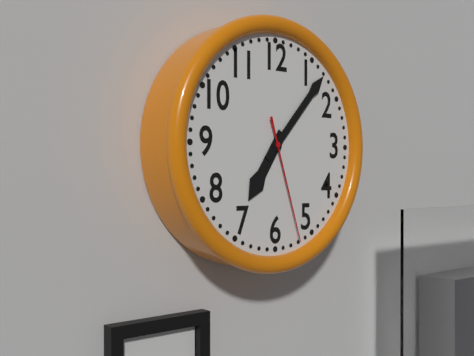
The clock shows 7:07:27
